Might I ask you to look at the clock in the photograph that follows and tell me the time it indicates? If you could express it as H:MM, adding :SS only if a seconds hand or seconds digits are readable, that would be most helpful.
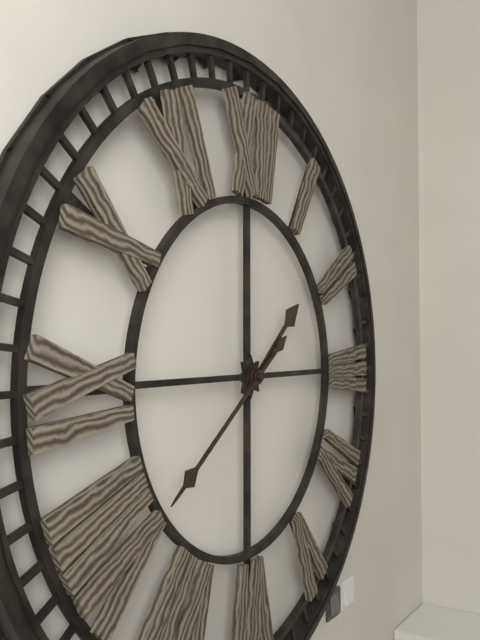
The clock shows 1:39
